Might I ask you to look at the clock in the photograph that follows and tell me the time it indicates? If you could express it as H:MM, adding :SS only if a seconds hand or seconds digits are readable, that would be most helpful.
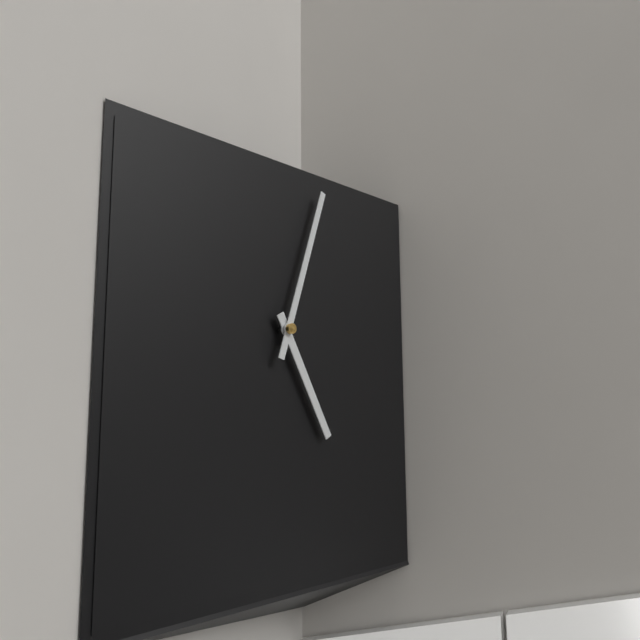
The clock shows 5:03
